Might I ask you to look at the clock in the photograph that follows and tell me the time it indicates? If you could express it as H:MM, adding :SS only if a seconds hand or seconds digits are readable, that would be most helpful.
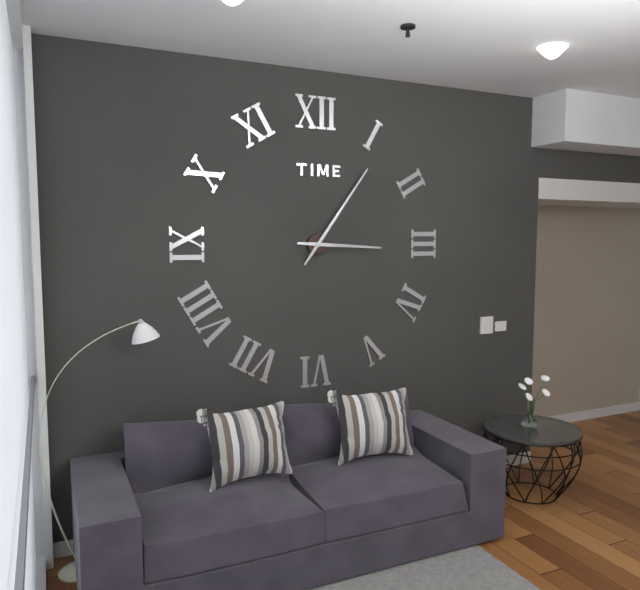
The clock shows 3:06
